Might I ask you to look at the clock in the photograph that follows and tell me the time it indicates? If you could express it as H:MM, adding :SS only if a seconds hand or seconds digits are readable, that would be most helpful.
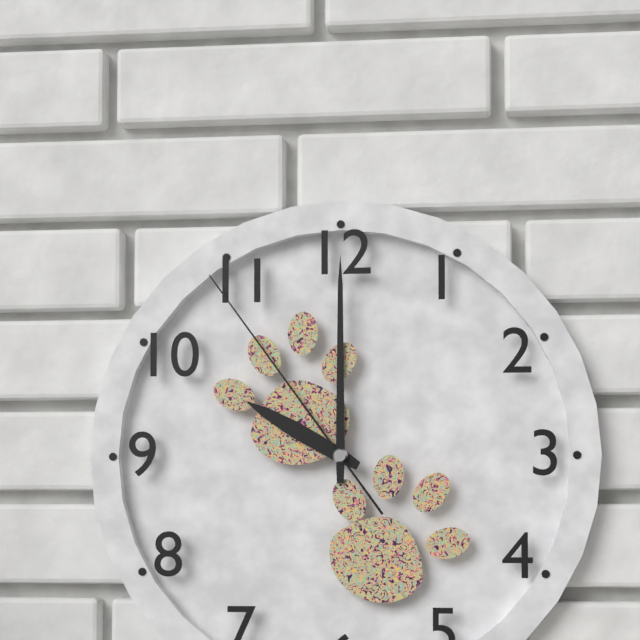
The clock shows 10:00:54
